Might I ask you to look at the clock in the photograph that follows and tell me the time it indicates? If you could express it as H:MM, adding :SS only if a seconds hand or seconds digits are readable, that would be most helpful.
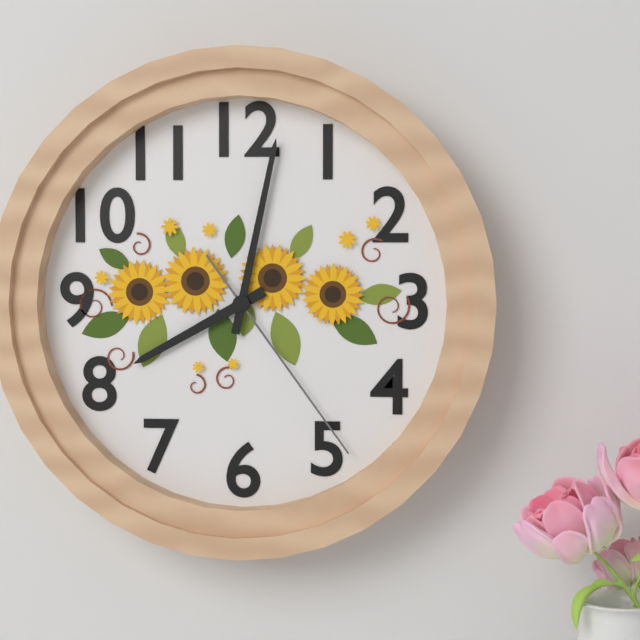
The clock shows 8:02:24
